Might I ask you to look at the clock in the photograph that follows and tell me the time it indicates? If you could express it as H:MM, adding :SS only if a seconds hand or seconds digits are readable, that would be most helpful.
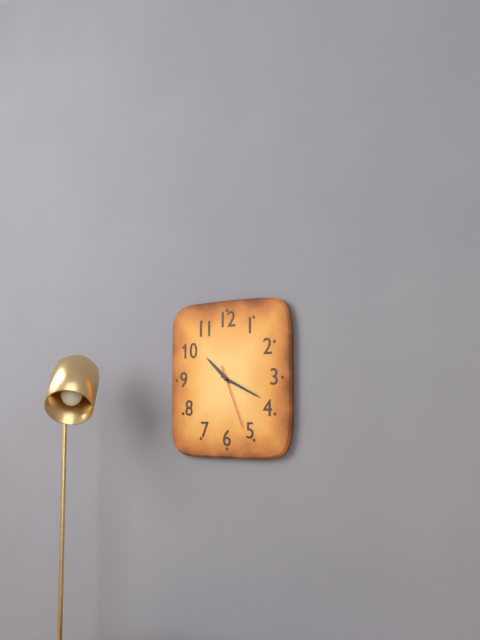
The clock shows 10:19:26
